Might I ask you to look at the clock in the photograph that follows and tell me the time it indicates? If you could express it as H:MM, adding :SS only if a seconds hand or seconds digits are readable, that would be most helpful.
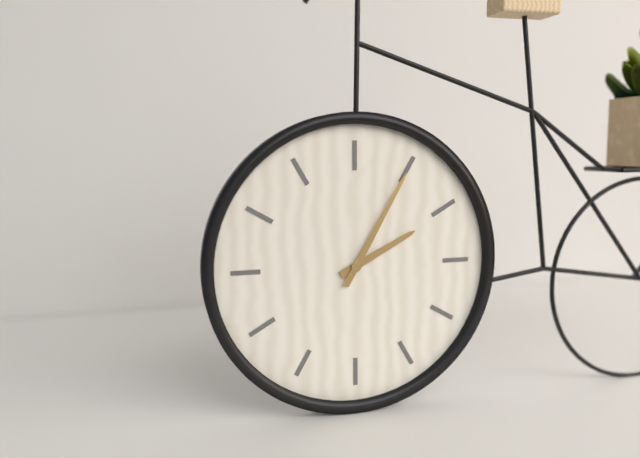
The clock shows 2:05
